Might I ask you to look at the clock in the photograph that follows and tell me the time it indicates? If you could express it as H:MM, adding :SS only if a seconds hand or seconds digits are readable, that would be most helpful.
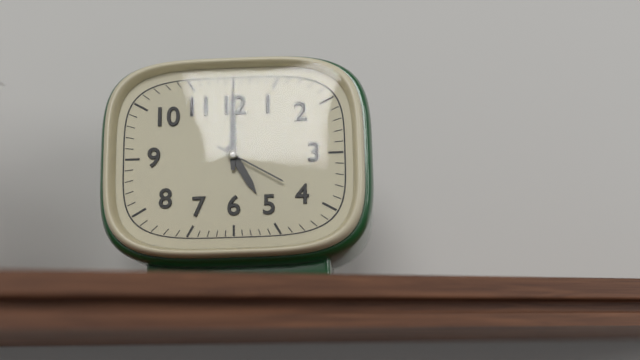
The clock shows 5:00:20
